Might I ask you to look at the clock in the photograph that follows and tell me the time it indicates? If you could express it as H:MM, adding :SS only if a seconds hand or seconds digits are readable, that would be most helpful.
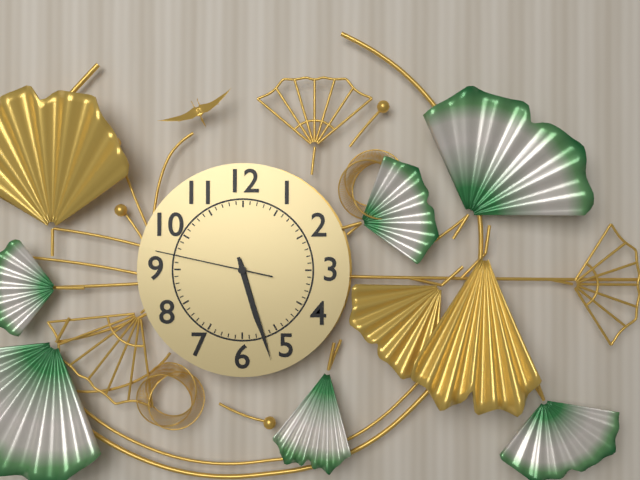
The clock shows 5:27:47
